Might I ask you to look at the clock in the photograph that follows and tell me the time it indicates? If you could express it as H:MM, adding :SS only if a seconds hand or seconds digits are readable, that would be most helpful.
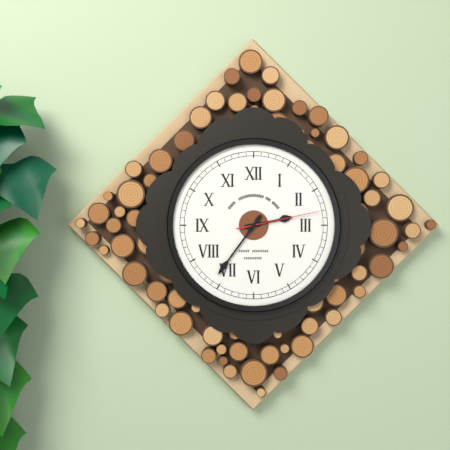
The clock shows 2:36:13
